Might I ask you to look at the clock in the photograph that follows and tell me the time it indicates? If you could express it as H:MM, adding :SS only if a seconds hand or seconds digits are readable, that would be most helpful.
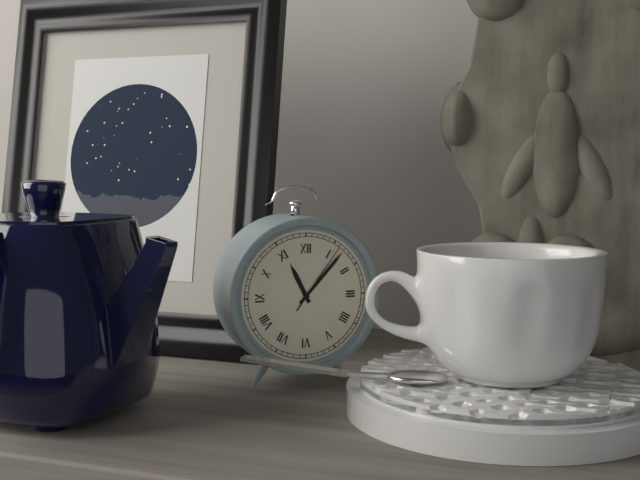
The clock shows 11:07:06
